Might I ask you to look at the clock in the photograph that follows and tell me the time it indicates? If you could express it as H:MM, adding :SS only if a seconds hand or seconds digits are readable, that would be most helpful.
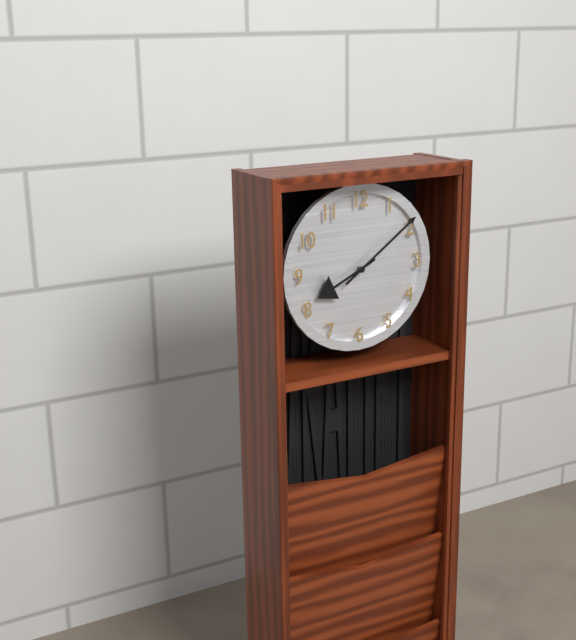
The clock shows 8:09
